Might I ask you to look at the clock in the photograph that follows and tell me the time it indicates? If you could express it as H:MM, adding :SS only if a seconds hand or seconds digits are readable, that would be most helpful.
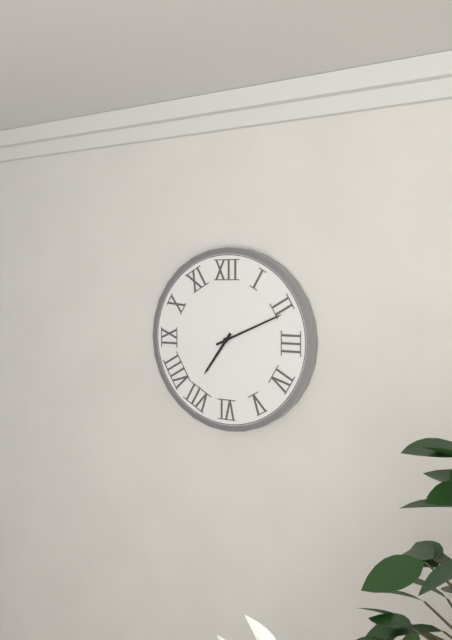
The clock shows 7:11
